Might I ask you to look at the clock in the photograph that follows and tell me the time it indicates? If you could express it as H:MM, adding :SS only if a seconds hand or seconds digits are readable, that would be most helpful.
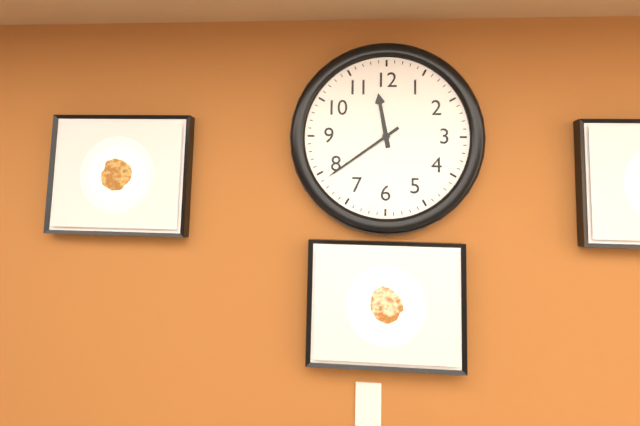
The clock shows 11:39
